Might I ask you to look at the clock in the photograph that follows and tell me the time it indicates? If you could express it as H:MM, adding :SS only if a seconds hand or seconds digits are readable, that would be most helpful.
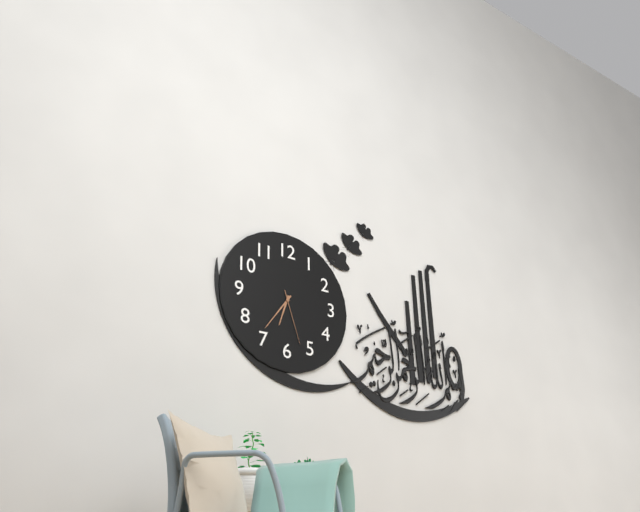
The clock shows 6:36:27
